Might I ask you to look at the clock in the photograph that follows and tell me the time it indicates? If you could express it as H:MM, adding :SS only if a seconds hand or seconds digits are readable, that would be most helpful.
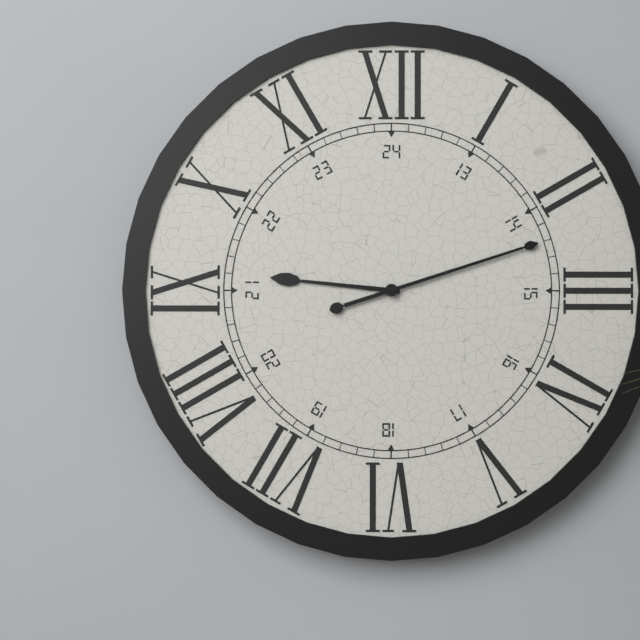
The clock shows 9:12
